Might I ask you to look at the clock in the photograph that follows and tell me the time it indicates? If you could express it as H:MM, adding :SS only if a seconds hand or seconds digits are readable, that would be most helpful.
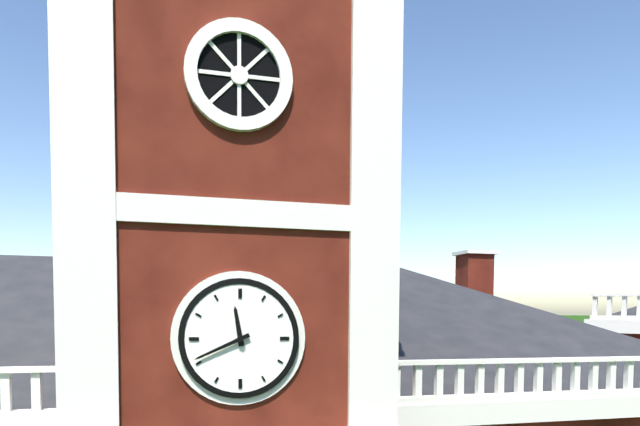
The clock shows 11:41
